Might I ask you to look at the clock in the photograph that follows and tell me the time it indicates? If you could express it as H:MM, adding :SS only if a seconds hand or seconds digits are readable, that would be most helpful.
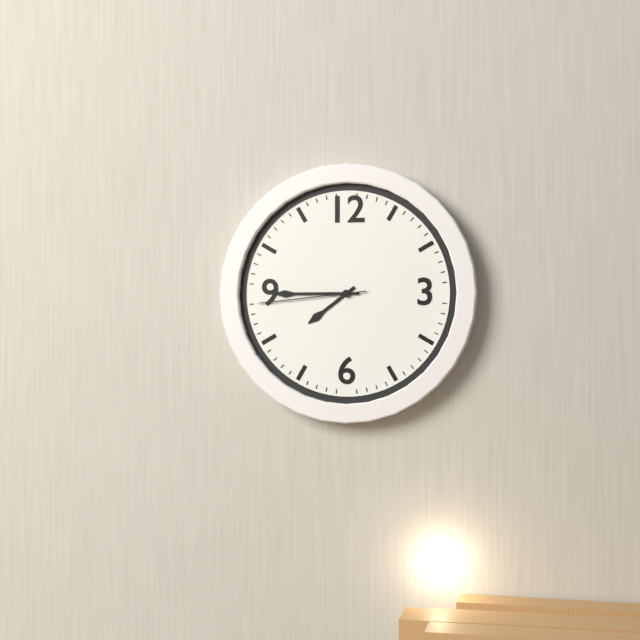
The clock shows 7:45:44
